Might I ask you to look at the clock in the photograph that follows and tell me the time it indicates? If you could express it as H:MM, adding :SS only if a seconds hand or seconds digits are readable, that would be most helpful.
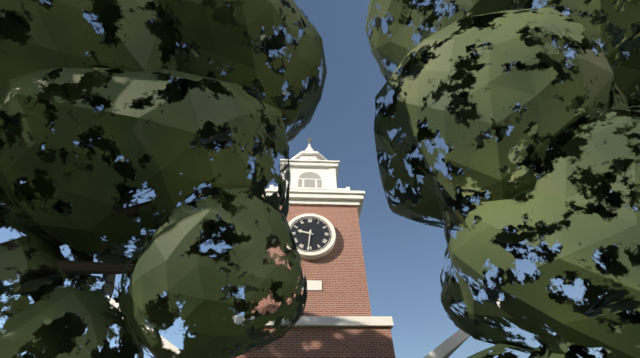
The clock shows 9:31
